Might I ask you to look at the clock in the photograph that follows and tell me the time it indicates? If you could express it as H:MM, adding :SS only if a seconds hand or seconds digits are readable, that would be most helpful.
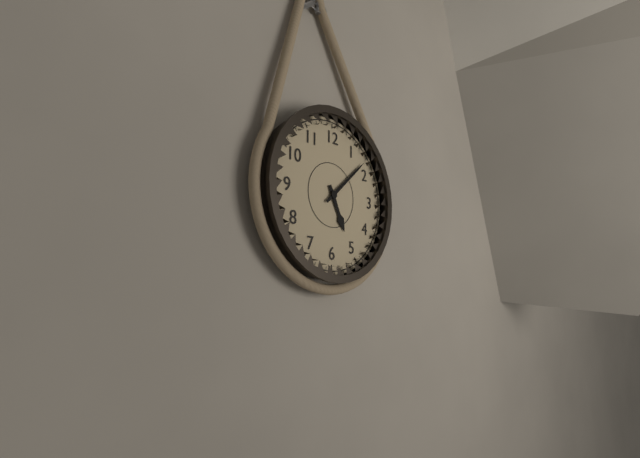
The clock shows 5:08
